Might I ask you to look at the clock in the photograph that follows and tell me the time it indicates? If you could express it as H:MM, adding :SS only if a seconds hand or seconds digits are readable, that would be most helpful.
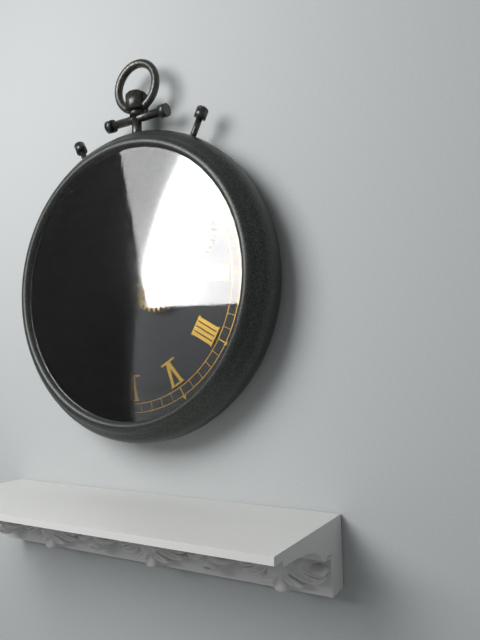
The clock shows 11:13:33
